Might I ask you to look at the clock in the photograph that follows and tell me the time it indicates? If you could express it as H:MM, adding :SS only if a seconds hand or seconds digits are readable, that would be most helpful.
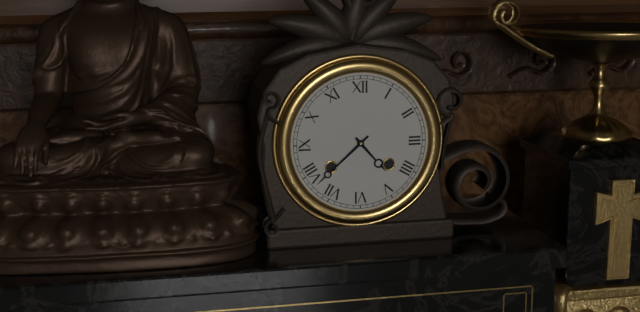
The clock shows 4:38
